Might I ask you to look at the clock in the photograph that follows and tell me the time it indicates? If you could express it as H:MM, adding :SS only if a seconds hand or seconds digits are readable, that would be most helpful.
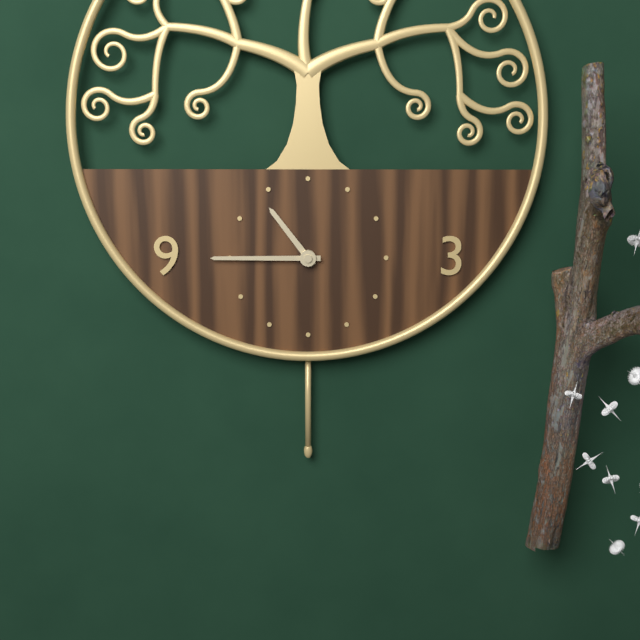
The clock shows 10:45
